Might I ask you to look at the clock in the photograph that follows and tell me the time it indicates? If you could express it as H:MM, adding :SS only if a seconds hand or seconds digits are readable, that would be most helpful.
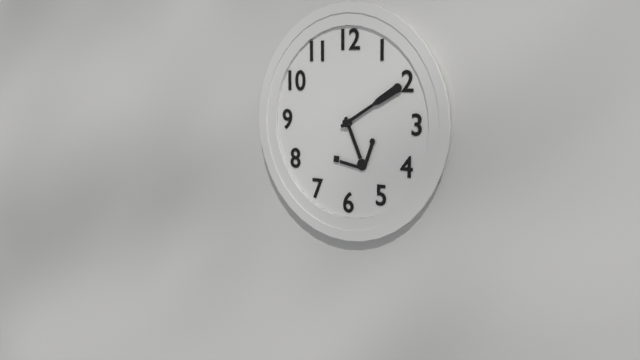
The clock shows 5:10
